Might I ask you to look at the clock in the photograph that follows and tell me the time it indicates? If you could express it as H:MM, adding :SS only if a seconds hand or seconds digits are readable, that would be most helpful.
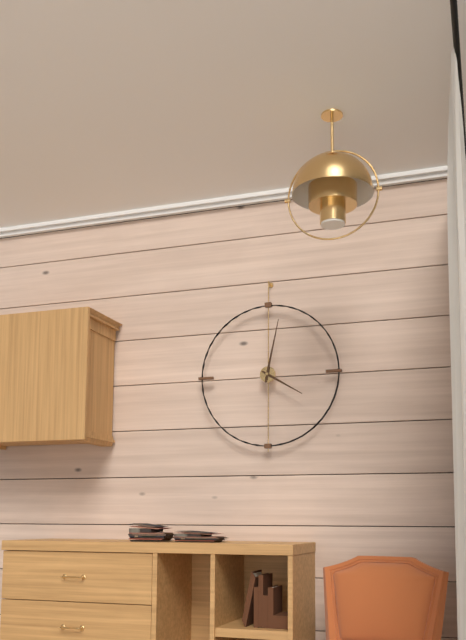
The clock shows 4:02
